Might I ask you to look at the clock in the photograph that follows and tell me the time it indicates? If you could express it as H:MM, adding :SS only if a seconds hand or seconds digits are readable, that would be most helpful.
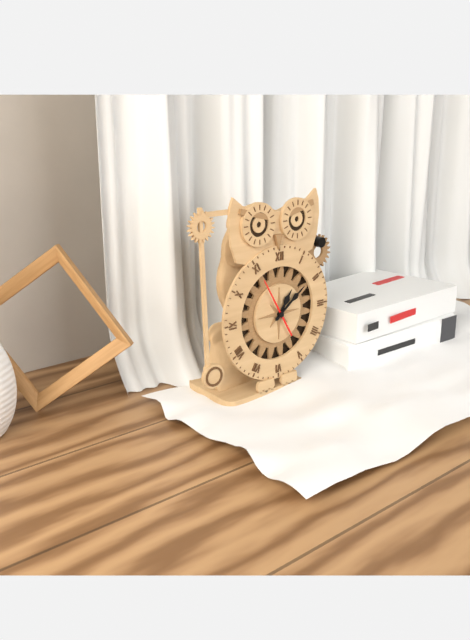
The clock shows 1:09
